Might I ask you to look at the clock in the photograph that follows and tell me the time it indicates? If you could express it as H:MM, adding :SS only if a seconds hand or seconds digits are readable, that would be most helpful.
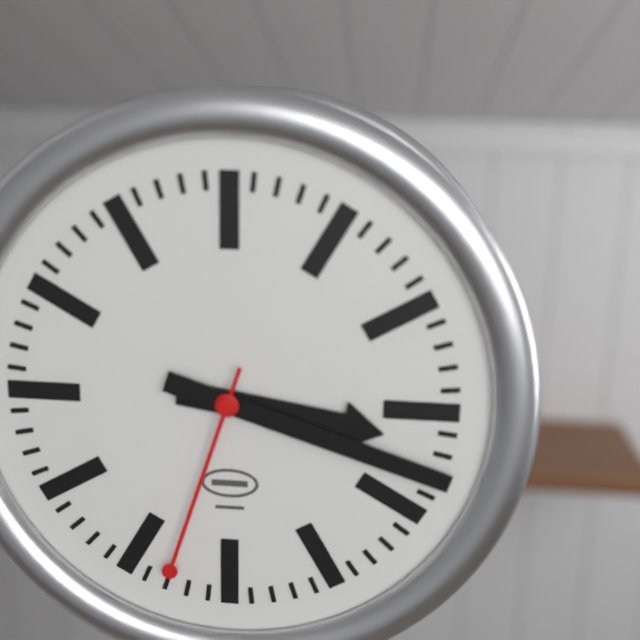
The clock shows 3:18:33
